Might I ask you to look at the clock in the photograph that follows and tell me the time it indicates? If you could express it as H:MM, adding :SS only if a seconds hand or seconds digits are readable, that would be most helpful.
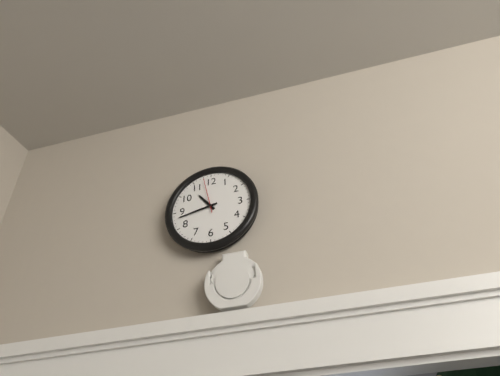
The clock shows 10:43
